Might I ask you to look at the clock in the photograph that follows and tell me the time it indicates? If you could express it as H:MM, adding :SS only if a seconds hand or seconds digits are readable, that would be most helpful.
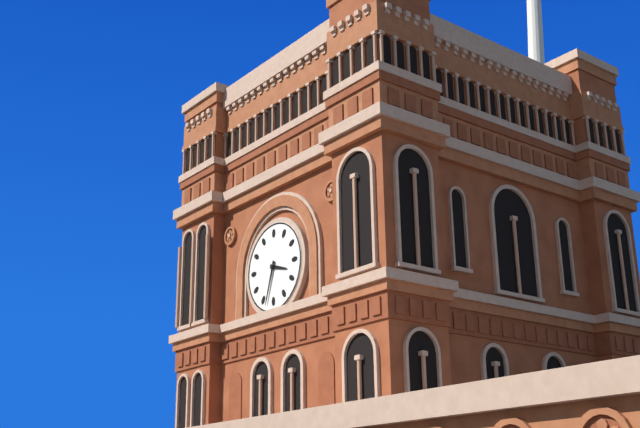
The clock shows 3:33
